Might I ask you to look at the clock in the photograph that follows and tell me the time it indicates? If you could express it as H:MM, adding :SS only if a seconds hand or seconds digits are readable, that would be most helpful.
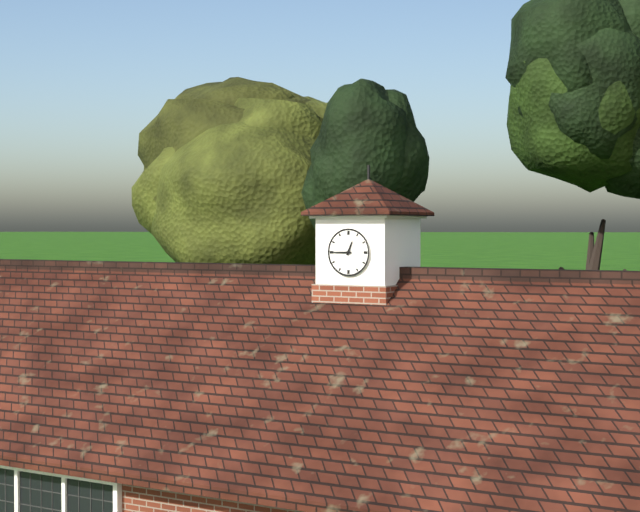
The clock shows 12:45
